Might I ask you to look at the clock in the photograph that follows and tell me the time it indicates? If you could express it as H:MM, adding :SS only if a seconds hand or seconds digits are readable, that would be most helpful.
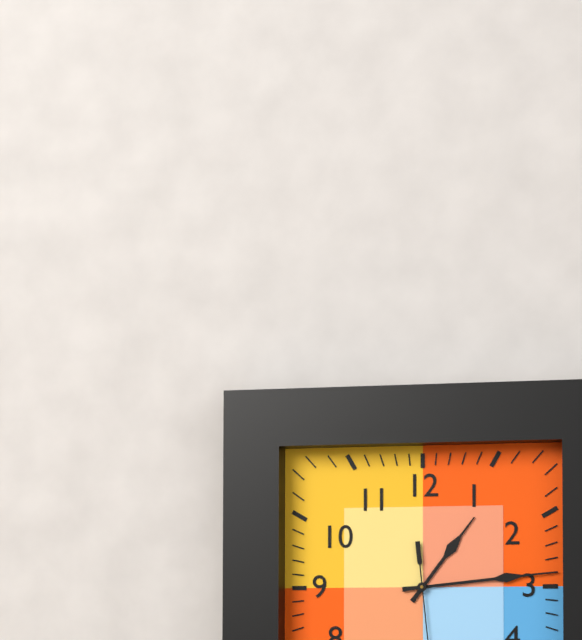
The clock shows 1:14
